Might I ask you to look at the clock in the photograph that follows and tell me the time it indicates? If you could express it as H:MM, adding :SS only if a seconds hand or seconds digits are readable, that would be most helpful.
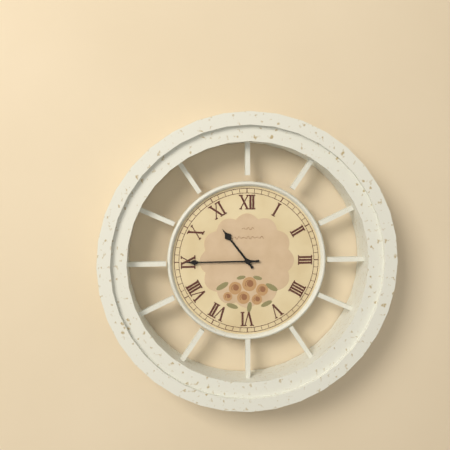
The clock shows 10:45
